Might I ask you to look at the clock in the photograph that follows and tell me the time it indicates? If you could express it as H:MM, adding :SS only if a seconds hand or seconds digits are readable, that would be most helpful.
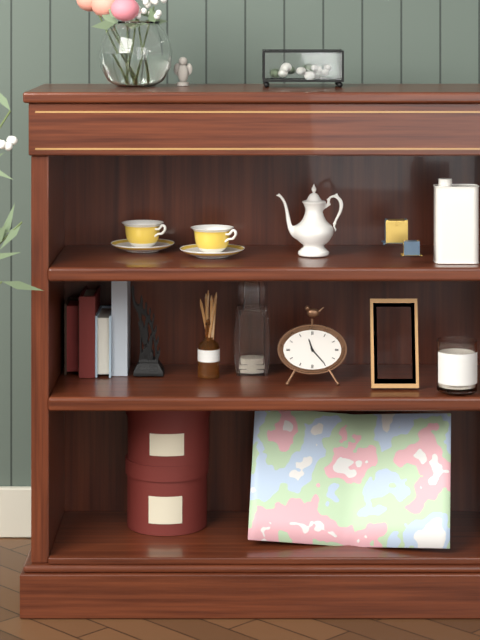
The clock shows 11:23
